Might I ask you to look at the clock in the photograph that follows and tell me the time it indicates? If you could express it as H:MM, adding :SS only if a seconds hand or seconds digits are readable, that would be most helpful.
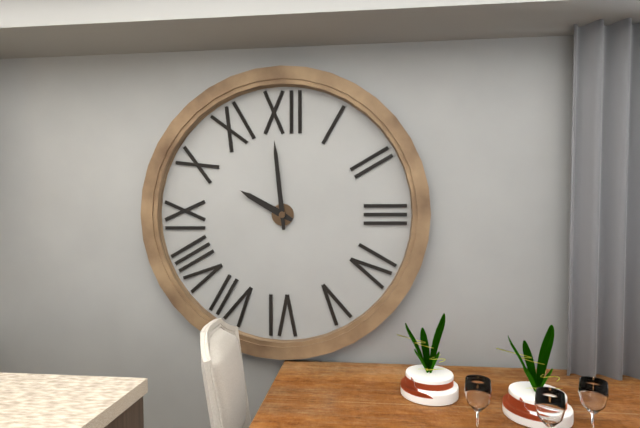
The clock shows 9:59
